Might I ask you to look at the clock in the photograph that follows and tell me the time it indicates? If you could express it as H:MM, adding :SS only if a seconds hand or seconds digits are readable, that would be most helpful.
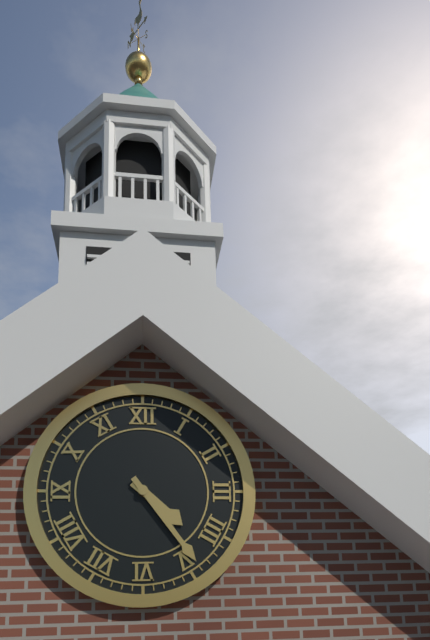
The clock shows 4:24
